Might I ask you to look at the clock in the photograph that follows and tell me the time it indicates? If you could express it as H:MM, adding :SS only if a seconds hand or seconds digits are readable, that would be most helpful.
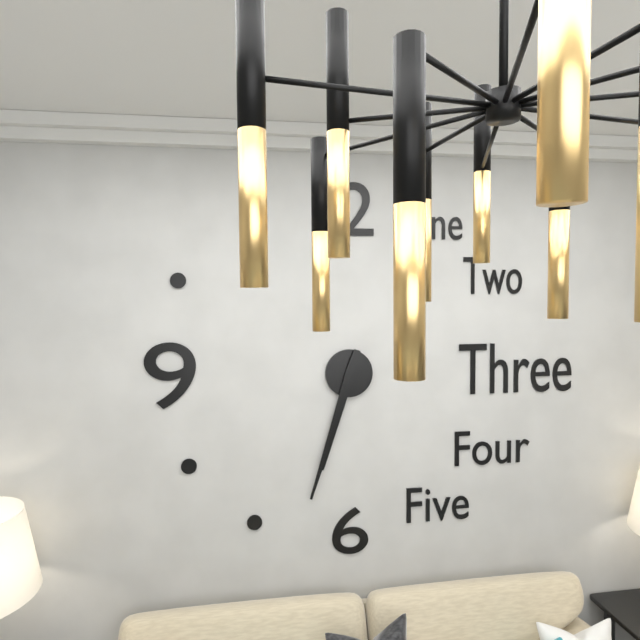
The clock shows 6:33
